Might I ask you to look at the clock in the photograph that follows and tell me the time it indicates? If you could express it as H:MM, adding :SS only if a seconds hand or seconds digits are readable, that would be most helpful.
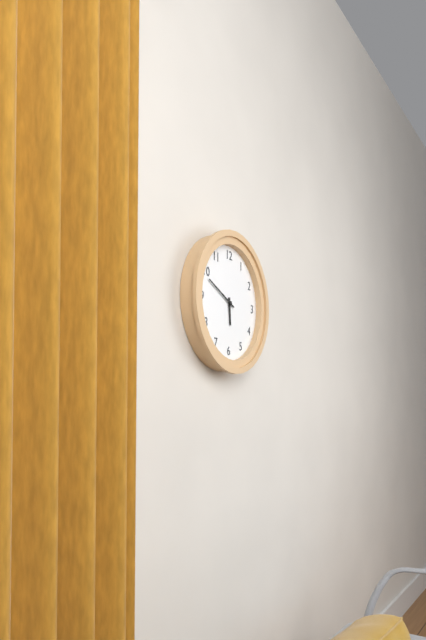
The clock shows 5:49
